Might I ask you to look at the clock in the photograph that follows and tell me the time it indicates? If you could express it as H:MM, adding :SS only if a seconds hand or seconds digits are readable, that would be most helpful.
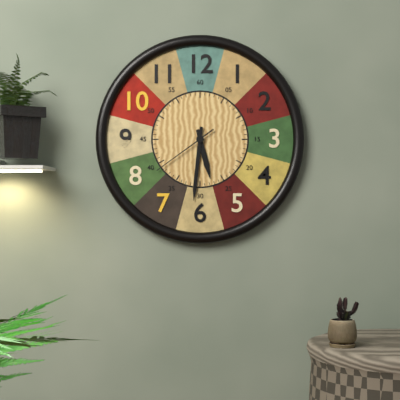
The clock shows 5:31:39
